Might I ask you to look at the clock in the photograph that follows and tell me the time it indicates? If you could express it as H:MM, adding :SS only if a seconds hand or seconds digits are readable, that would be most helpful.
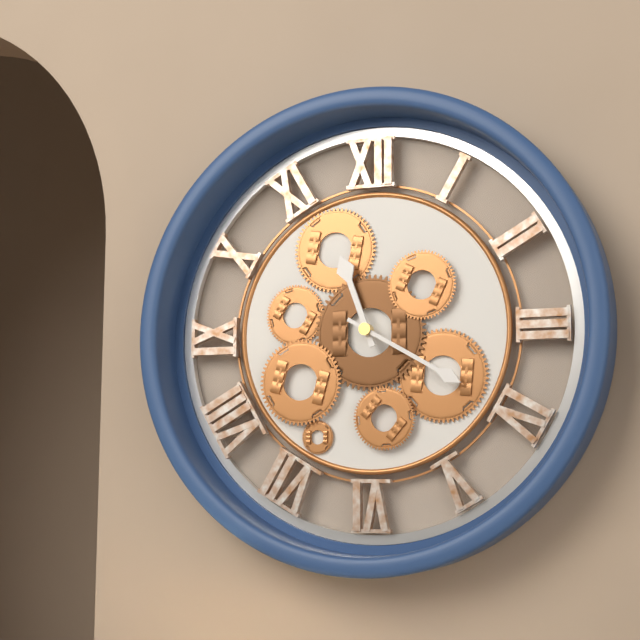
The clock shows 11:20
